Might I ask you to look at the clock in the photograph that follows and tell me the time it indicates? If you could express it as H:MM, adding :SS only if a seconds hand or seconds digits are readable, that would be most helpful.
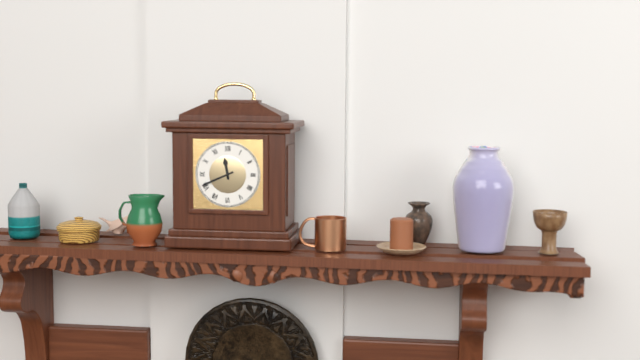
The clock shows 11:41
